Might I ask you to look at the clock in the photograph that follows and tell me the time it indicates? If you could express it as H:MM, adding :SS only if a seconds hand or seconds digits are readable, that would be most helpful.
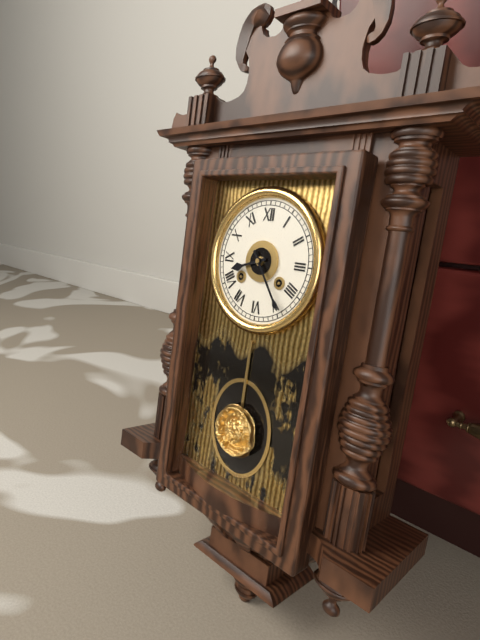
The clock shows 8:24
